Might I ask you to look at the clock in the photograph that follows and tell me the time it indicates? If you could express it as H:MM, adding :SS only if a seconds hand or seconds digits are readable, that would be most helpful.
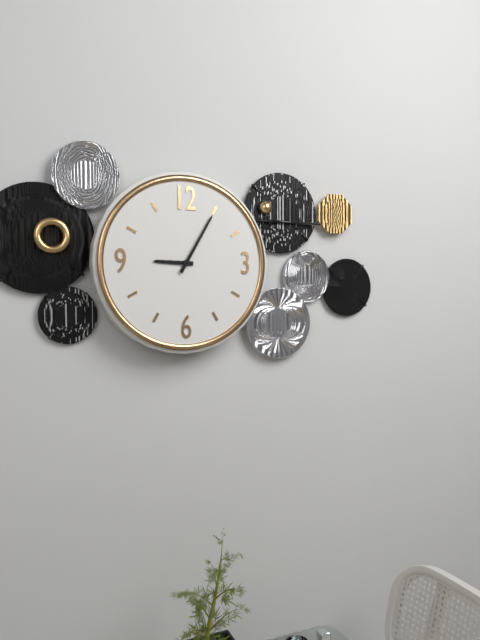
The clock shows 9:05
